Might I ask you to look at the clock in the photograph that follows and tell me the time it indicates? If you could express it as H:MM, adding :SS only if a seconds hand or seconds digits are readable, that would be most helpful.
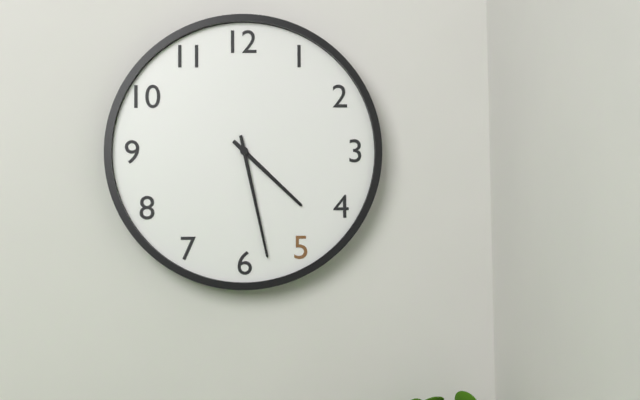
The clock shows 4:28
